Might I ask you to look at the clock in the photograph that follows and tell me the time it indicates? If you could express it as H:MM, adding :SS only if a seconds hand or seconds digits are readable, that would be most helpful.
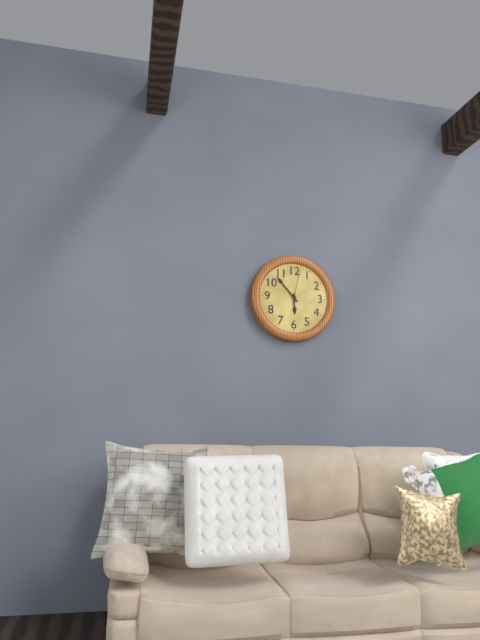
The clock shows 5:53
